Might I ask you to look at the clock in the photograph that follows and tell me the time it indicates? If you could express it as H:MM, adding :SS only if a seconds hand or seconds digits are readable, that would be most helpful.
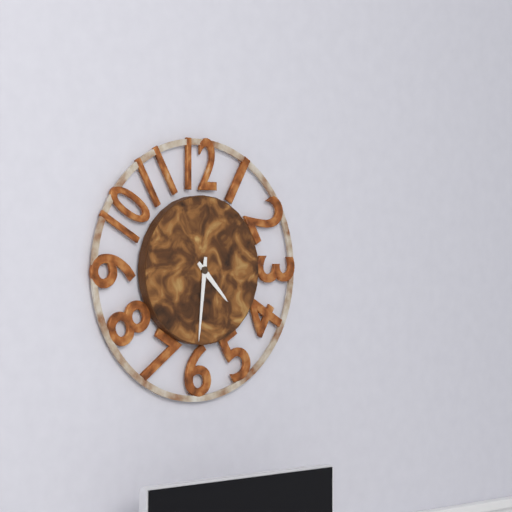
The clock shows 4:31
